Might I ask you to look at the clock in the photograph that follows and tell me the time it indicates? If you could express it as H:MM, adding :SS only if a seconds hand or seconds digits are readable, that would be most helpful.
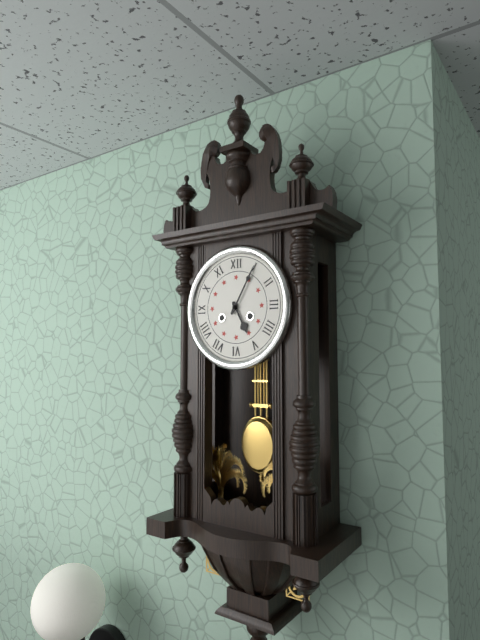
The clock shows 5:05
